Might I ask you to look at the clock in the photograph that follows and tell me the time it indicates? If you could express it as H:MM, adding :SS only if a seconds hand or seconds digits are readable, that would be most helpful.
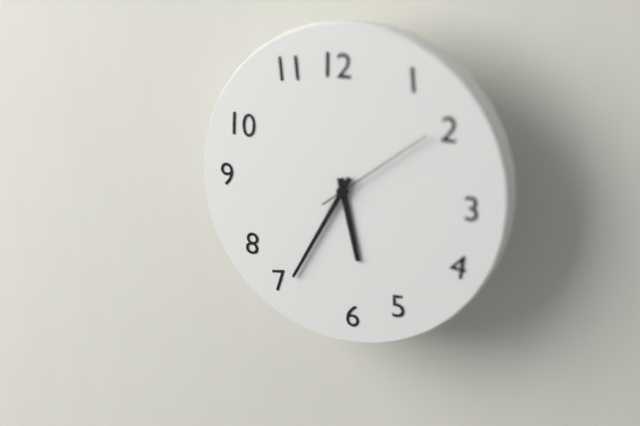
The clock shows 5:35:09
